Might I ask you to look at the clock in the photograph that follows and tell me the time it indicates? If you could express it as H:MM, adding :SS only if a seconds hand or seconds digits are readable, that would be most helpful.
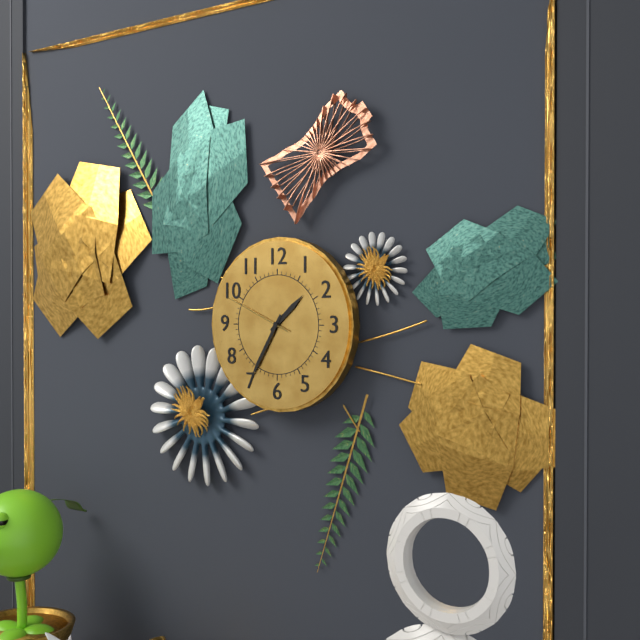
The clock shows 1:35:49
